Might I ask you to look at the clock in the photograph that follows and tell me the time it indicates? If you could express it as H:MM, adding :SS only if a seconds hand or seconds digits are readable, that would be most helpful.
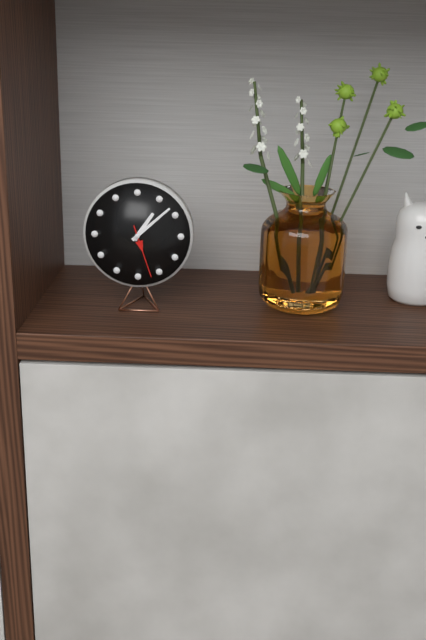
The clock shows 1:08:27
